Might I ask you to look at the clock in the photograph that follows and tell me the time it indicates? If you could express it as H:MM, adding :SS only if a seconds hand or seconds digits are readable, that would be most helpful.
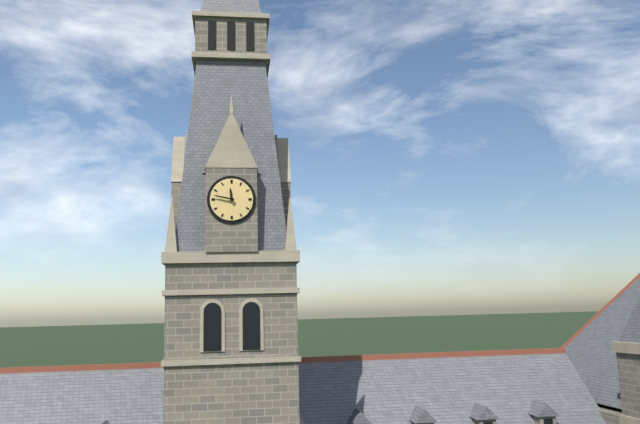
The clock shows 11:47
